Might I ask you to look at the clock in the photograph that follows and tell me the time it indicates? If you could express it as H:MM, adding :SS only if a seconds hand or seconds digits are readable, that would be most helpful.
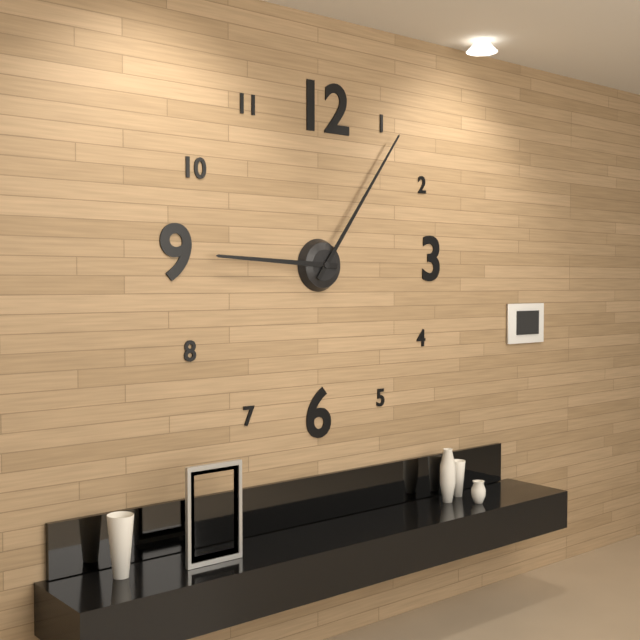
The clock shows 9:06
